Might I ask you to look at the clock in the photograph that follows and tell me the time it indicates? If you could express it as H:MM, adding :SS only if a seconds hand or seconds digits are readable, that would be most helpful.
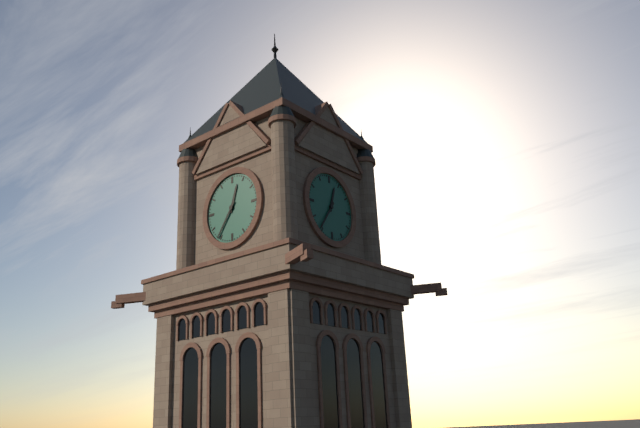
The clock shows 12:36
